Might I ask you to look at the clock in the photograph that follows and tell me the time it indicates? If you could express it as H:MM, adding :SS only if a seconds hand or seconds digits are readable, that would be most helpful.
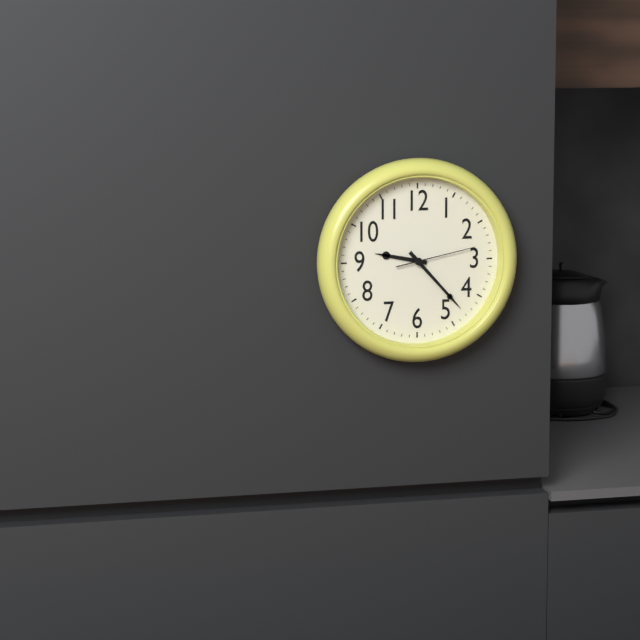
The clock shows 9:23:13
